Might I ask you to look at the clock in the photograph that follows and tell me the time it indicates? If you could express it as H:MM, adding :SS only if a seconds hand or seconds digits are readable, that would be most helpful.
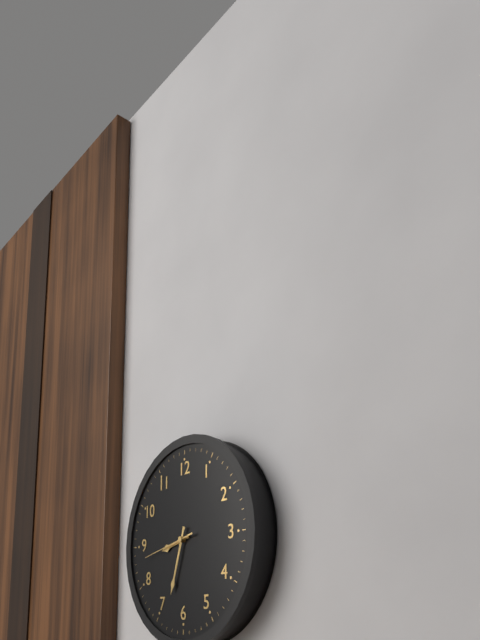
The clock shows 8:33:43
